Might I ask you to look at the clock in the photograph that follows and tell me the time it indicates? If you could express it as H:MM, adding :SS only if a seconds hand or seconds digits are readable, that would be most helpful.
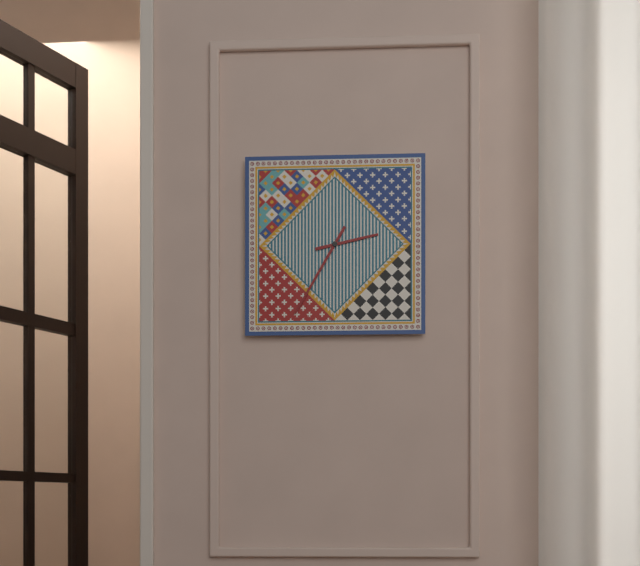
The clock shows 2:35
